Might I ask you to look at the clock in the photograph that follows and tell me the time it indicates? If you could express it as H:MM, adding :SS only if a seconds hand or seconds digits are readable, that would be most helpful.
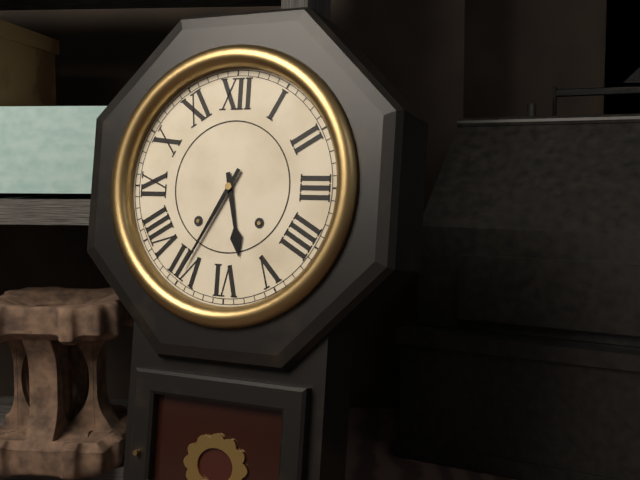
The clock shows 5:35
